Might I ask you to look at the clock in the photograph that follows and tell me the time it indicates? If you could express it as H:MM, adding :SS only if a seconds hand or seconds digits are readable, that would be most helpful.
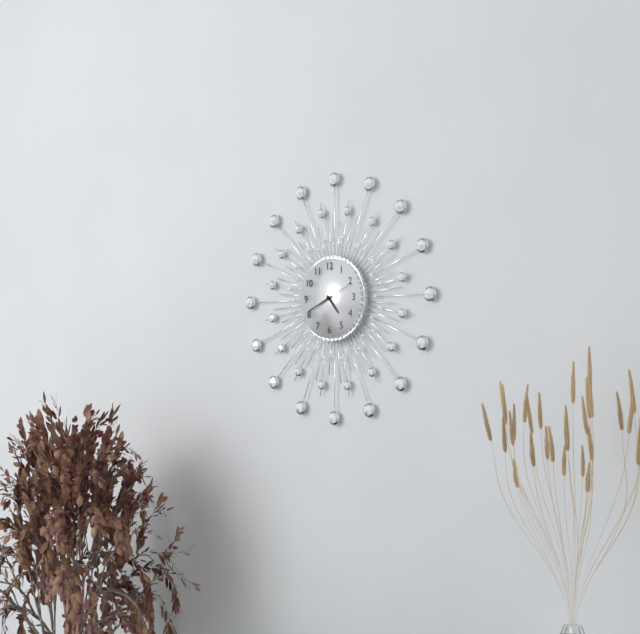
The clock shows 4:41
